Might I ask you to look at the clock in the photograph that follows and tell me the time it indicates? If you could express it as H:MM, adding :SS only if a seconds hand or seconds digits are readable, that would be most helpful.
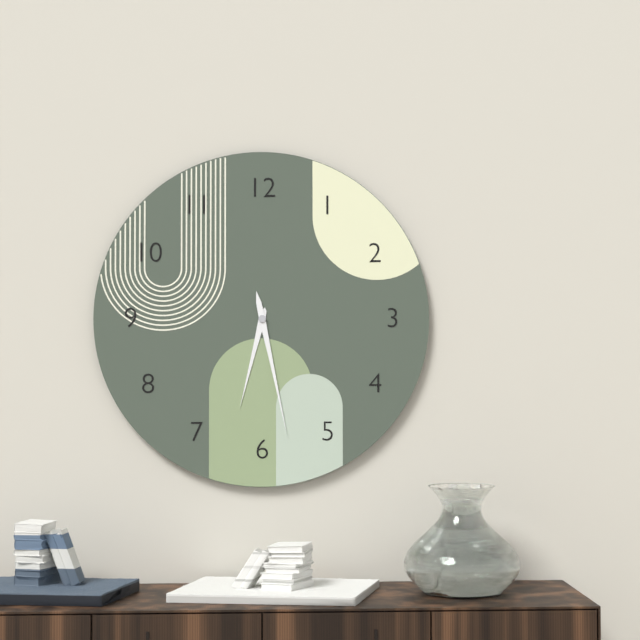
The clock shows 6:28
